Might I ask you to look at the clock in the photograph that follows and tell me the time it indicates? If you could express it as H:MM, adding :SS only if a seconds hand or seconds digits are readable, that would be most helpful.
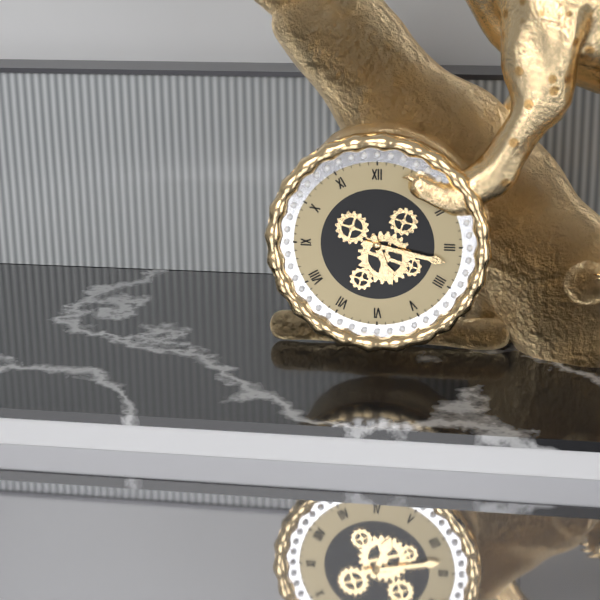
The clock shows 5:17
